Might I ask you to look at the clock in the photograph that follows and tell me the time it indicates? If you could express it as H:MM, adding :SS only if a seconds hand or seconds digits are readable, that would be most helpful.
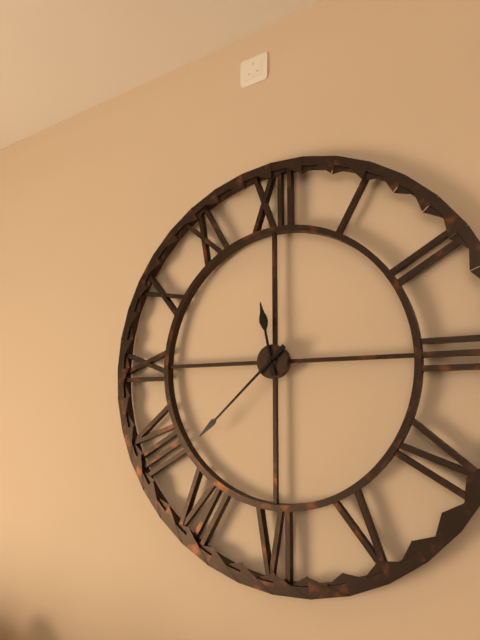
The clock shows 11:38
